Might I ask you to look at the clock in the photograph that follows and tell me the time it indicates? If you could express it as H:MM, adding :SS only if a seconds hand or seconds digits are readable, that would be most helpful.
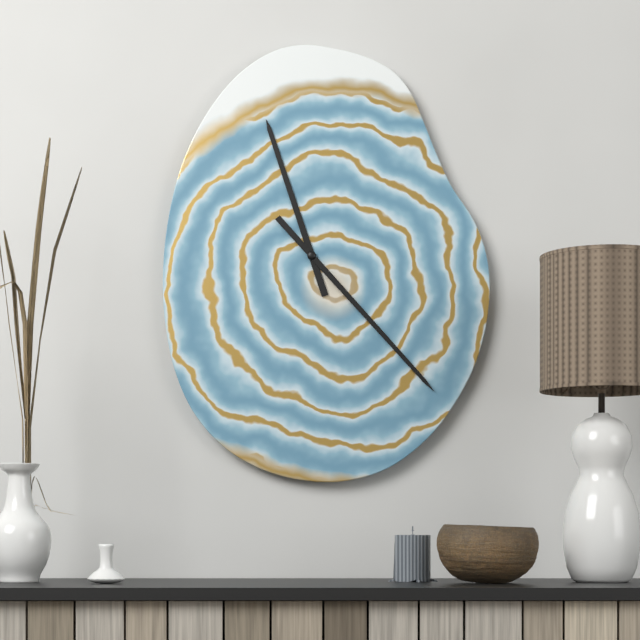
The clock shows 11:23
